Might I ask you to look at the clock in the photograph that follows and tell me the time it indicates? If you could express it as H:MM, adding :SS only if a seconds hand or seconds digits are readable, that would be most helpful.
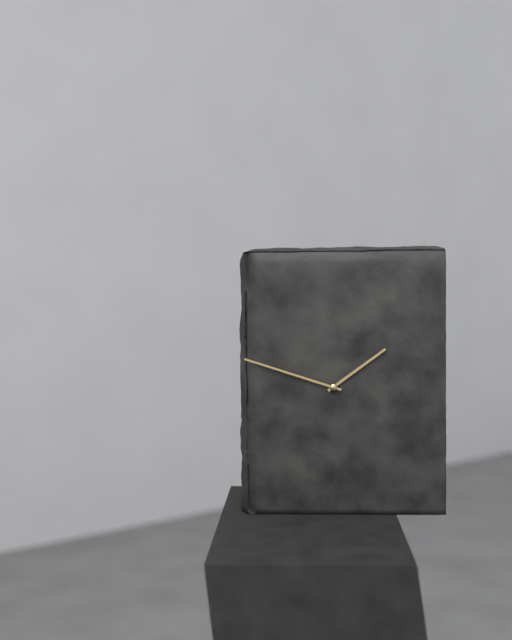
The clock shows 1:48
